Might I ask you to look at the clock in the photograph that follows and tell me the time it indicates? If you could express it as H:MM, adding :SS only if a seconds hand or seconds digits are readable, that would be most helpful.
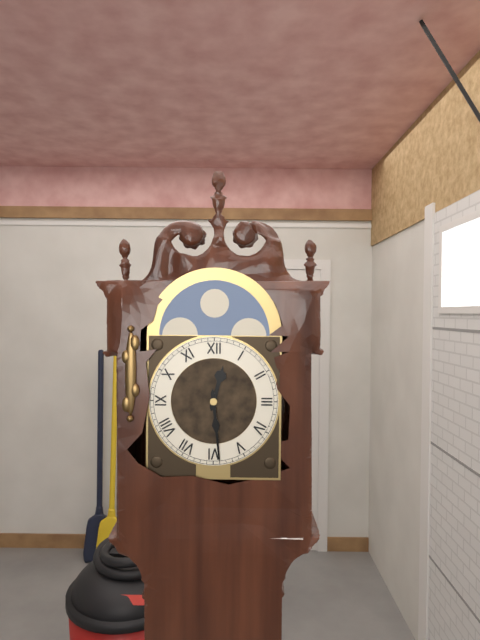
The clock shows 12:29
